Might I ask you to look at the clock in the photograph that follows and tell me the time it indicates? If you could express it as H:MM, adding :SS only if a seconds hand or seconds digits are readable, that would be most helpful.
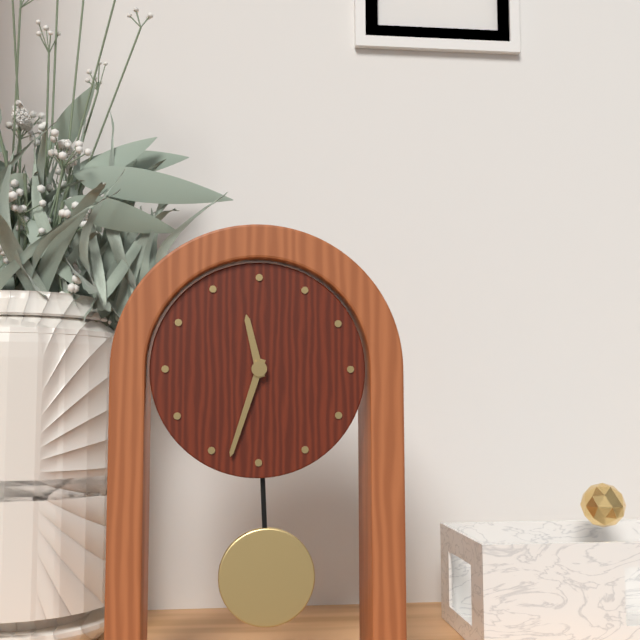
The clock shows 11:33
